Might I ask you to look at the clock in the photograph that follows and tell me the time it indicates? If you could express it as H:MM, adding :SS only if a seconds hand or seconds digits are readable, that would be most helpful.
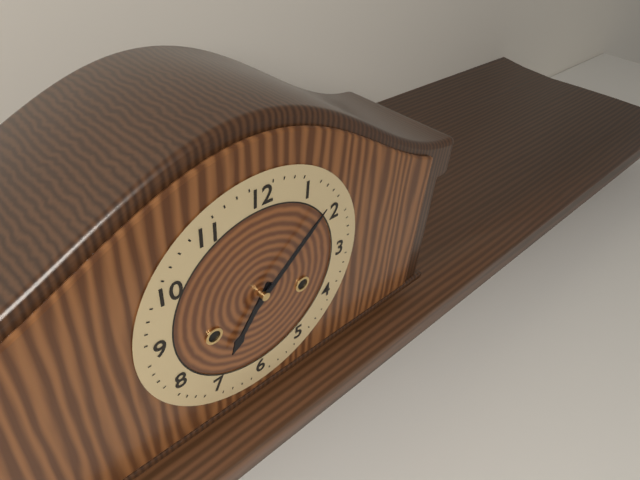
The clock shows 7:08
